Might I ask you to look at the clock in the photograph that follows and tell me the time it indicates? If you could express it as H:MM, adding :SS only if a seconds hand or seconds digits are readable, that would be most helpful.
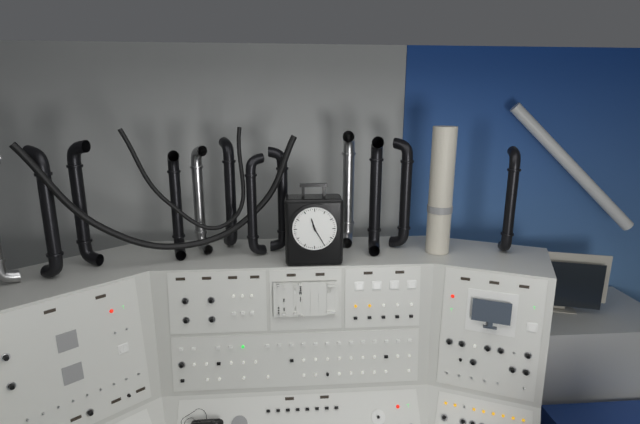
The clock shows 11:25
